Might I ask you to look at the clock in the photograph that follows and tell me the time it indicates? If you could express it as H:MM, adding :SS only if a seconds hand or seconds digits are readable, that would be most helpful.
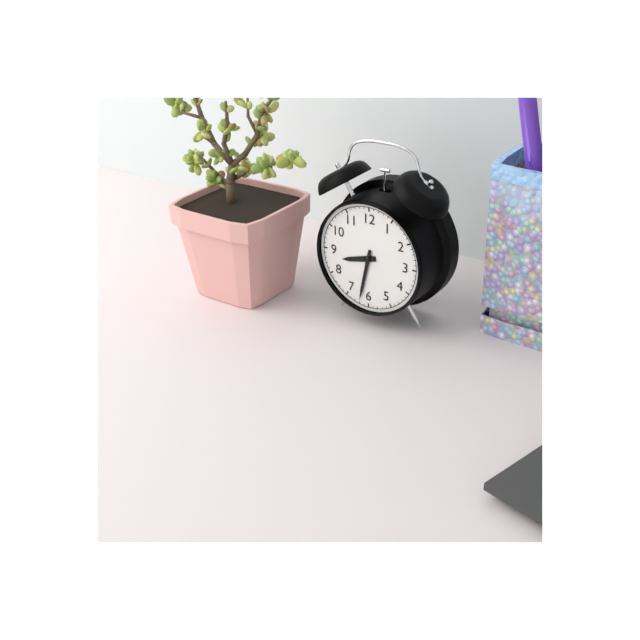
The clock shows 8:32
